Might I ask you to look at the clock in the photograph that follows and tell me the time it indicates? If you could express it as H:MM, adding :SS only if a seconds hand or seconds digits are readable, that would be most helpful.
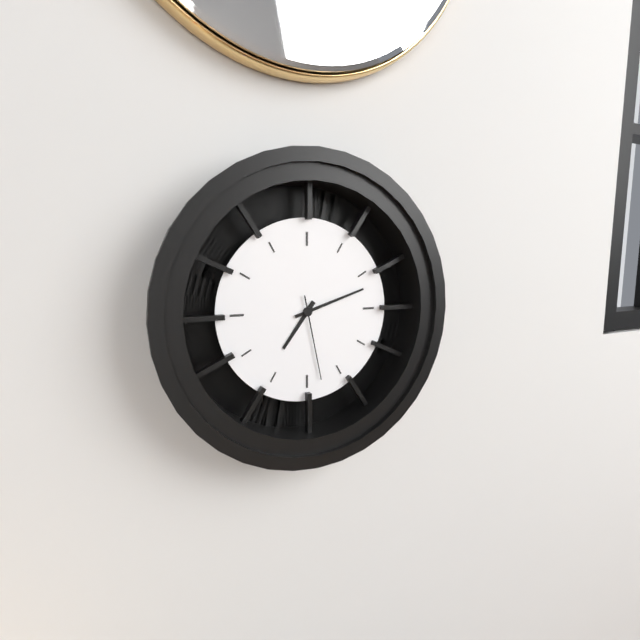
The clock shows 7:12:28
